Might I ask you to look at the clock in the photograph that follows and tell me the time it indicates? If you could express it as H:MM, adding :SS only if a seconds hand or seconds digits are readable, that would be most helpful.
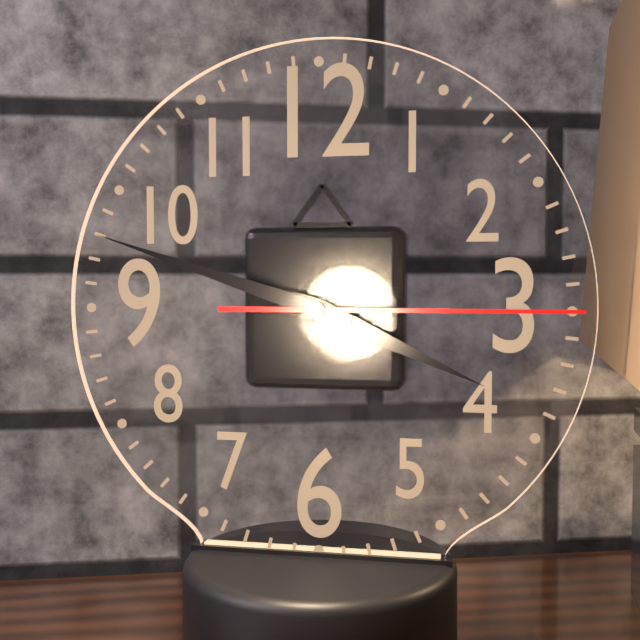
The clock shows 3:48:15
